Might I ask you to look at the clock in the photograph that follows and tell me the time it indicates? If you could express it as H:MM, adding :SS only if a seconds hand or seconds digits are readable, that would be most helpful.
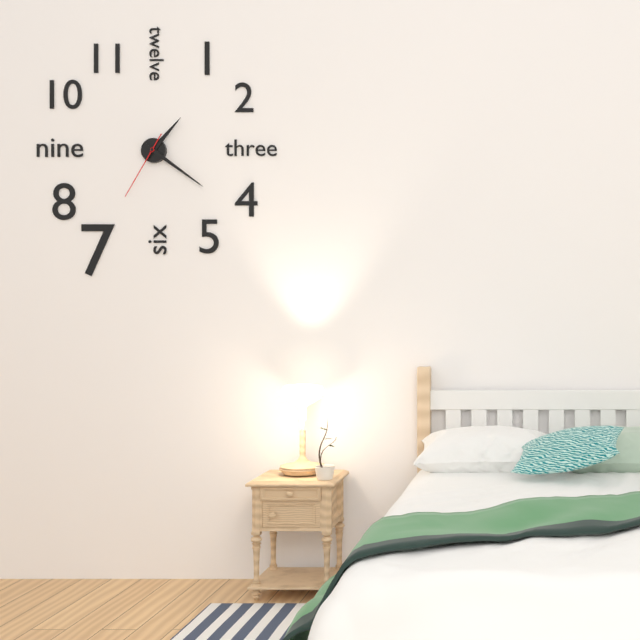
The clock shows 1:21:35
